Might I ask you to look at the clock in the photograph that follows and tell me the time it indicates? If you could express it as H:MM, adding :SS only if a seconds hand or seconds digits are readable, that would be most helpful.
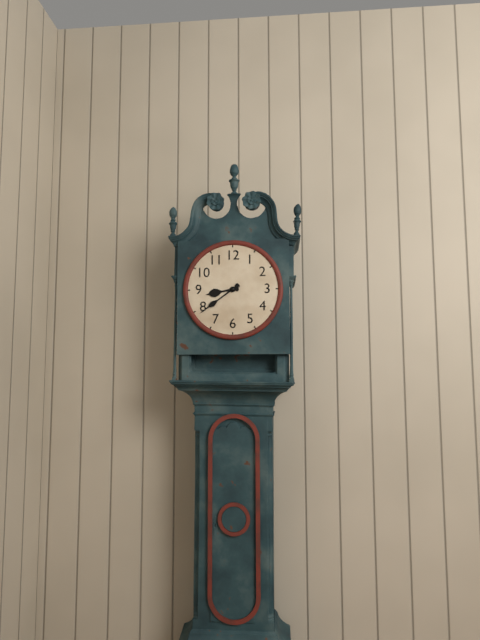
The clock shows 8:39
